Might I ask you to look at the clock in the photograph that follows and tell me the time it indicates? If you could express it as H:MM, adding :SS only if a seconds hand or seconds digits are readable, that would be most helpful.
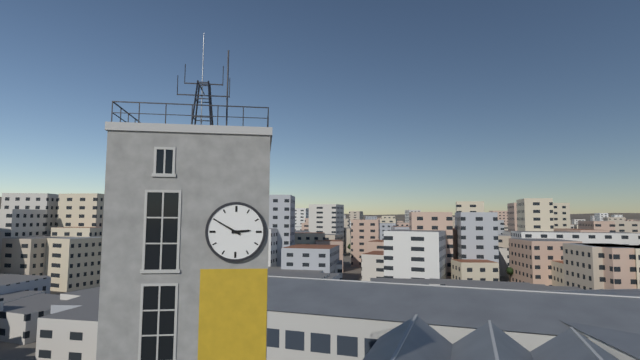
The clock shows 2:50
